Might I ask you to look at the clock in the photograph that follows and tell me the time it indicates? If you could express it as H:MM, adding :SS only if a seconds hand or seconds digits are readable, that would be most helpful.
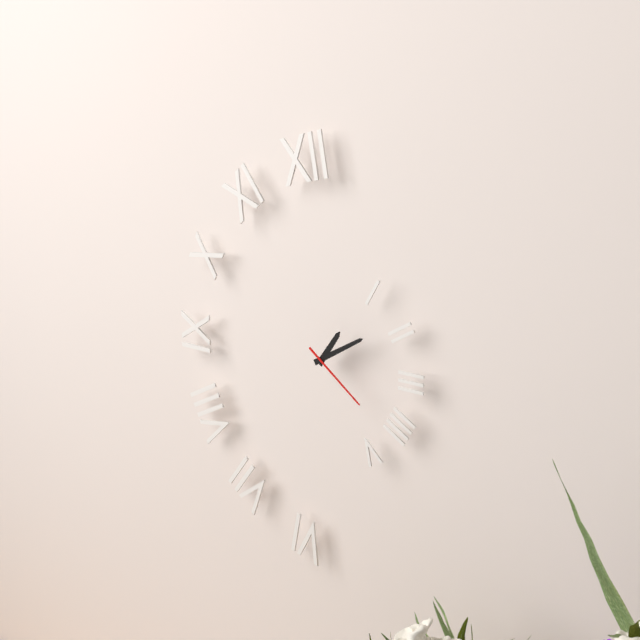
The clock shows 1:10:21
